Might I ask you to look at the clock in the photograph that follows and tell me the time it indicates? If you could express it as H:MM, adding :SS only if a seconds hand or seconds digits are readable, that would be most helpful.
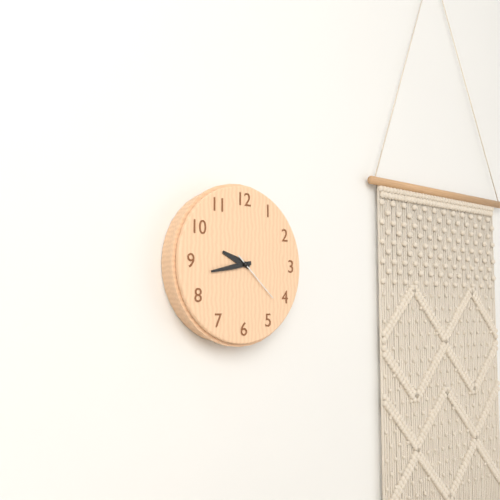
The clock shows 9:43:22
